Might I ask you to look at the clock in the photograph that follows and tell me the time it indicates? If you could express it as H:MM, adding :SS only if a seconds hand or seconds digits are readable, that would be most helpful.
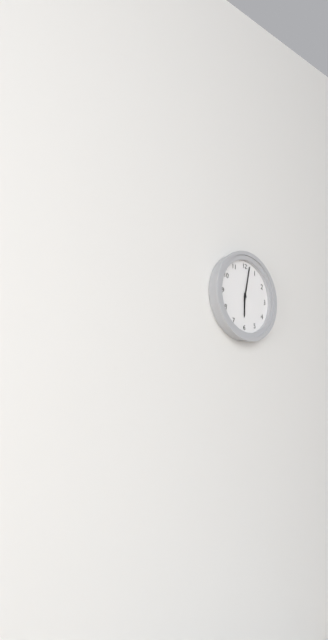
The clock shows 6:02
